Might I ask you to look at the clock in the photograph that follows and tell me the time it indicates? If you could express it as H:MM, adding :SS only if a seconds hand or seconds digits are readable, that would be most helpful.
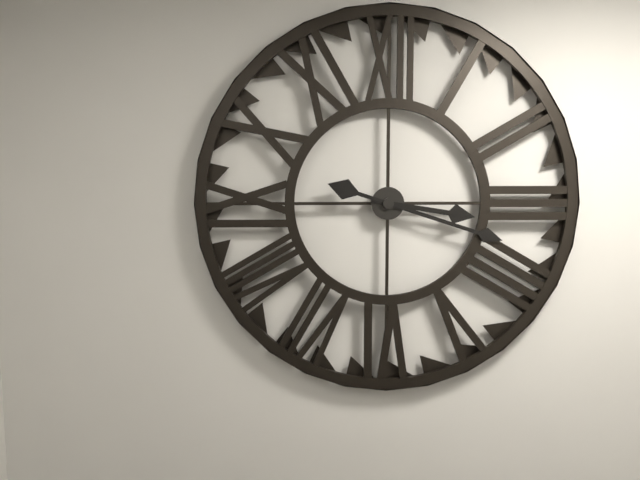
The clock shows 3:18
